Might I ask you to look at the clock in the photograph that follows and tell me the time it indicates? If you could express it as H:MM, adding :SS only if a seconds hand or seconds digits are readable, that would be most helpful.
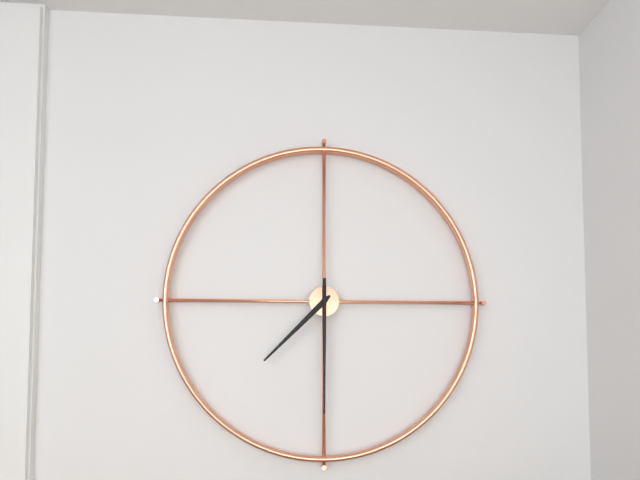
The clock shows 7:30
